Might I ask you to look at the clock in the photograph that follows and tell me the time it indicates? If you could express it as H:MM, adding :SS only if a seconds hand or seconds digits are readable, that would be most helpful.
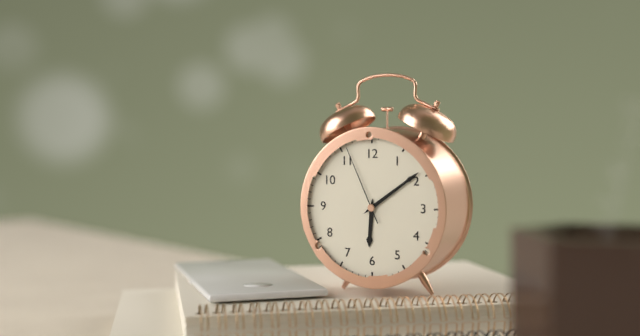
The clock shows 6:09:56
